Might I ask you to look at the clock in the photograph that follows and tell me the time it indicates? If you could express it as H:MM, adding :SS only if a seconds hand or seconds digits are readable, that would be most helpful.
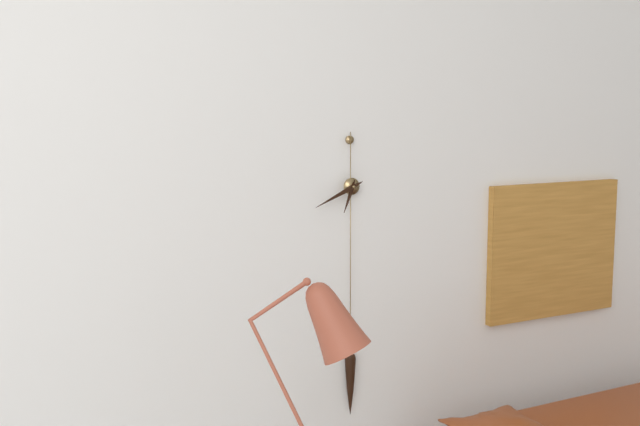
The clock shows 6:41
